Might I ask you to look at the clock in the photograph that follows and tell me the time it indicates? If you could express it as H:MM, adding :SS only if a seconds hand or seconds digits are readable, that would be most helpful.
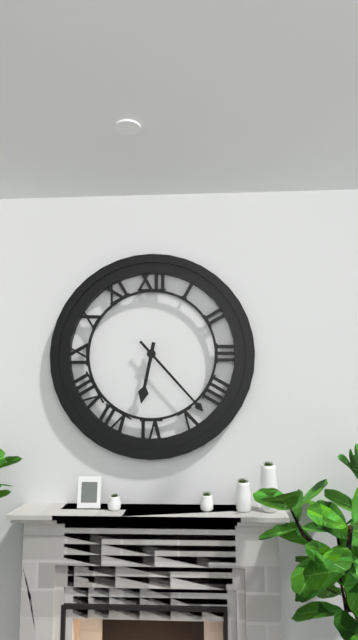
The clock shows 6:23
